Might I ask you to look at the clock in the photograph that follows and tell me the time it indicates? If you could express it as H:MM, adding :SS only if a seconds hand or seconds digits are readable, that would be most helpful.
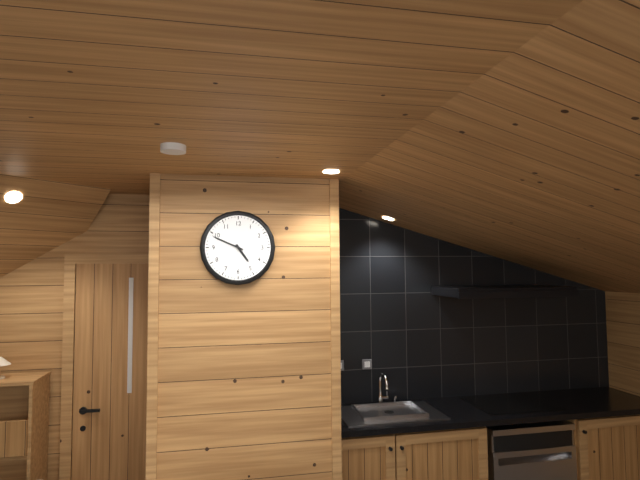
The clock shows 4:49
